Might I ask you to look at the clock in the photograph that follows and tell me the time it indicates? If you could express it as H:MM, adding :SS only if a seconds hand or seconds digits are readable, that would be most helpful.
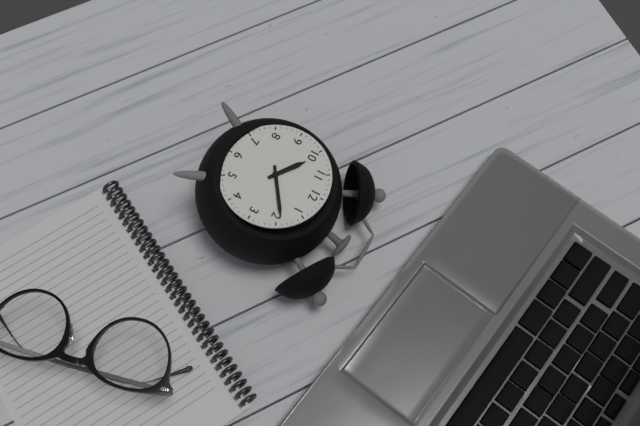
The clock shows 10:09
